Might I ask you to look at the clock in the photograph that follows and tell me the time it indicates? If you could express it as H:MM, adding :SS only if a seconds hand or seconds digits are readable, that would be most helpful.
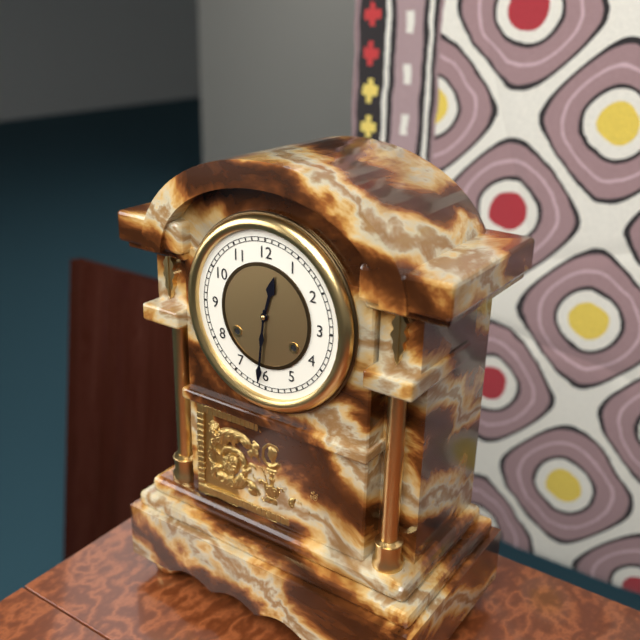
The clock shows 12:31
